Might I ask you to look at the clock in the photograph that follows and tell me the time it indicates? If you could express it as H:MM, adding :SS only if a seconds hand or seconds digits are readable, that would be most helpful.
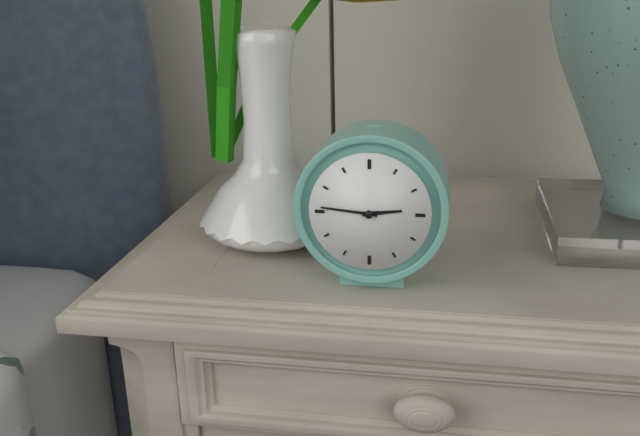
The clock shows 2:46
